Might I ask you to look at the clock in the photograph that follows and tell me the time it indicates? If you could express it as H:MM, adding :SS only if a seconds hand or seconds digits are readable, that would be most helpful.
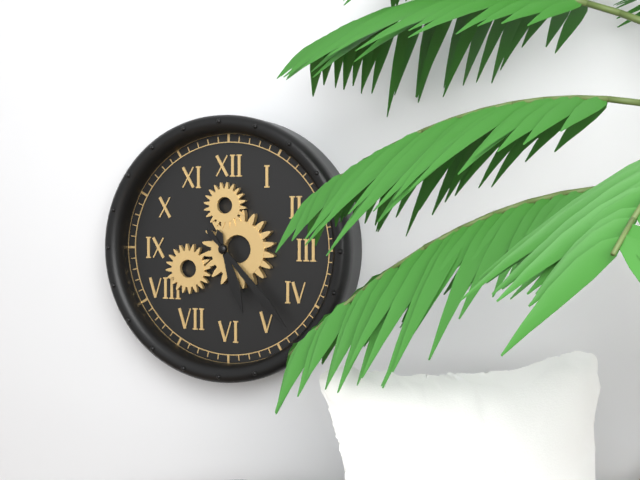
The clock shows 5:23
